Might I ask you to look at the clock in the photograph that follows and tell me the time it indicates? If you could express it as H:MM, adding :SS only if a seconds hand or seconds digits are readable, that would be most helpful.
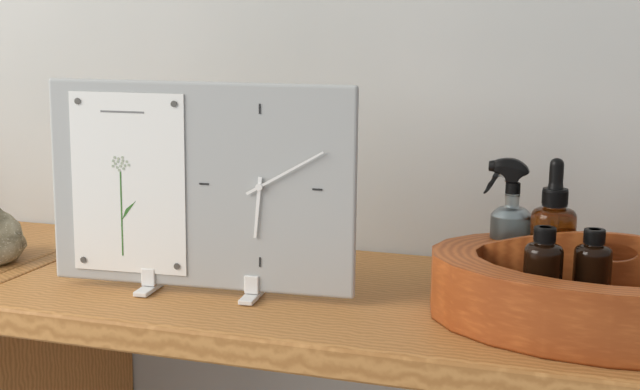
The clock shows 6:10
